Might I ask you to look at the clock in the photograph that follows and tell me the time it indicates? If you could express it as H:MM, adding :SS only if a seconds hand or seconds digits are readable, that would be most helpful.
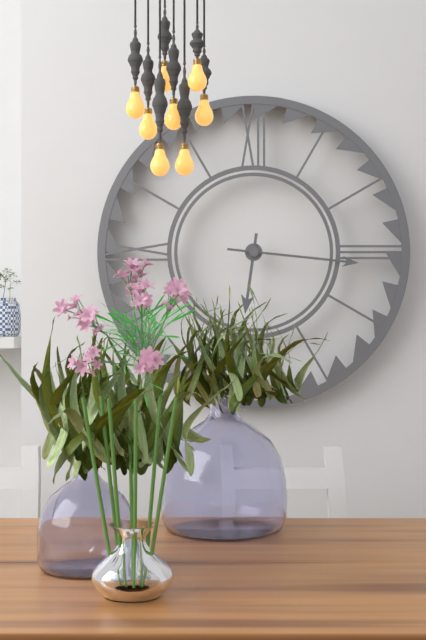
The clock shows 6:16
